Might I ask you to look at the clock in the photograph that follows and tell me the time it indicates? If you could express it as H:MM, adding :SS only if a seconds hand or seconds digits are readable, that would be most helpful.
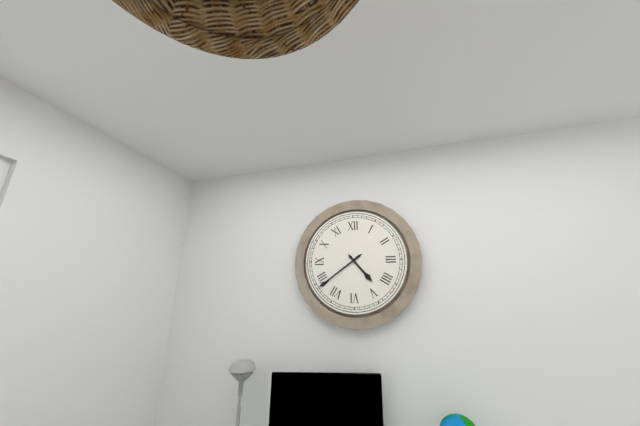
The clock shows 4:39
